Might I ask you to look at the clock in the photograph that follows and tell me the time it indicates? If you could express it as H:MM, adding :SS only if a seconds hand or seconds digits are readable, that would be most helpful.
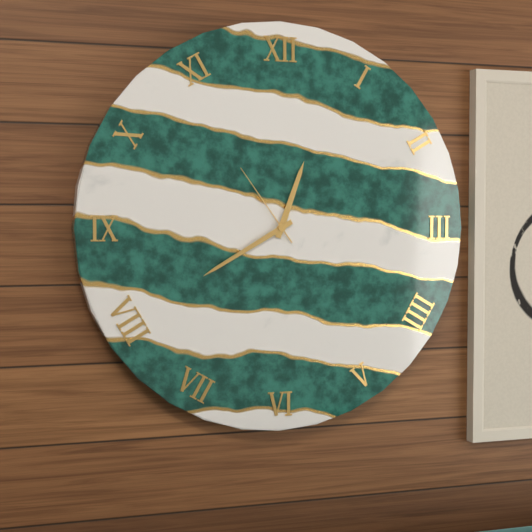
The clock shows 12:40:54
